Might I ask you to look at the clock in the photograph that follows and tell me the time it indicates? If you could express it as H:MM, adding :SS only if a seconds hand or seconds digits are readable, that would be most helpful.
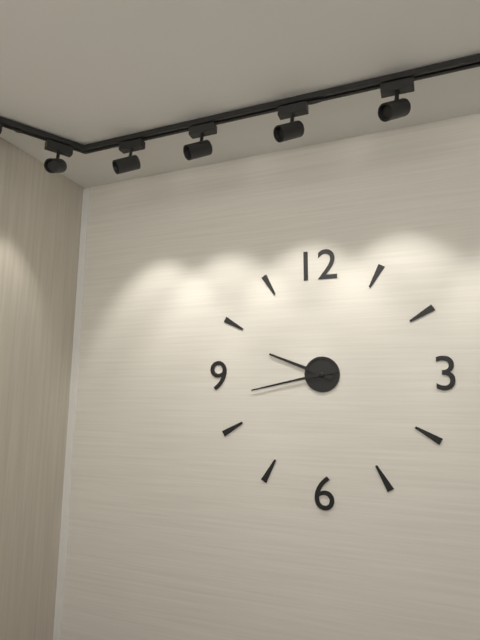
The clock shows 9:43
